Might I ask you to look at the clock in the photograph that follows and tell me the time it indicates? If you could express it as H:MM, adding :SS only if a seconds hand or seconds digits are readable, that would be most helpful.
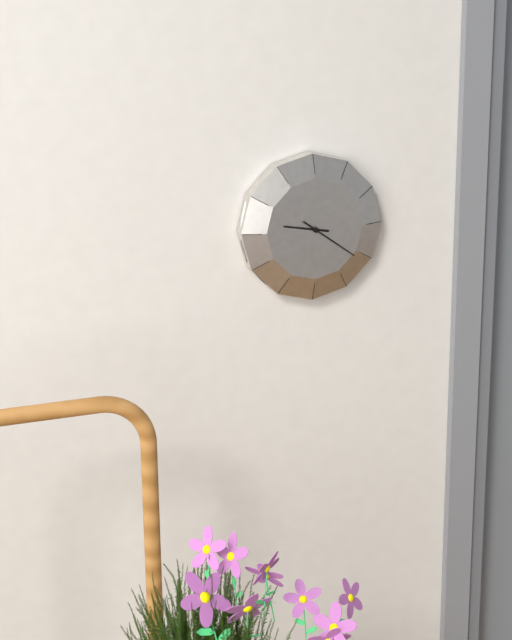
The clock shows 9:21
